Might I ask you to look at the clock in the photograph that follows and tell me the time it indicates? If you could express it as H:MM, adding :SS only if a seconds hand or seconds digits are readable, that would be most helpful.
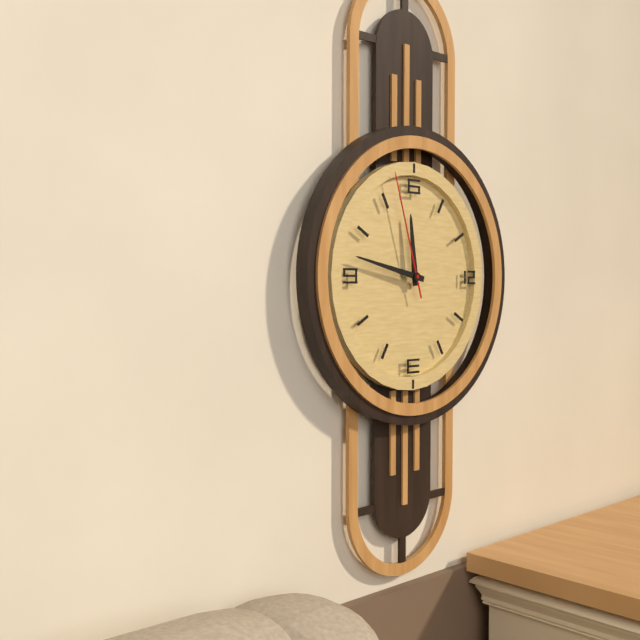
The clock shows 11:47:57
